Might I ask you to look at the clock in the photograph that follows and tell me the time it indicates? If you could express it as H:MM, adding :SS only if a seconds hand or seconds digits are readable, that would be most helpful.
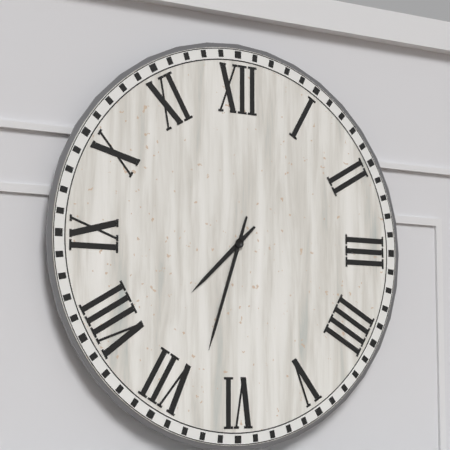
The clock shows 7:33
